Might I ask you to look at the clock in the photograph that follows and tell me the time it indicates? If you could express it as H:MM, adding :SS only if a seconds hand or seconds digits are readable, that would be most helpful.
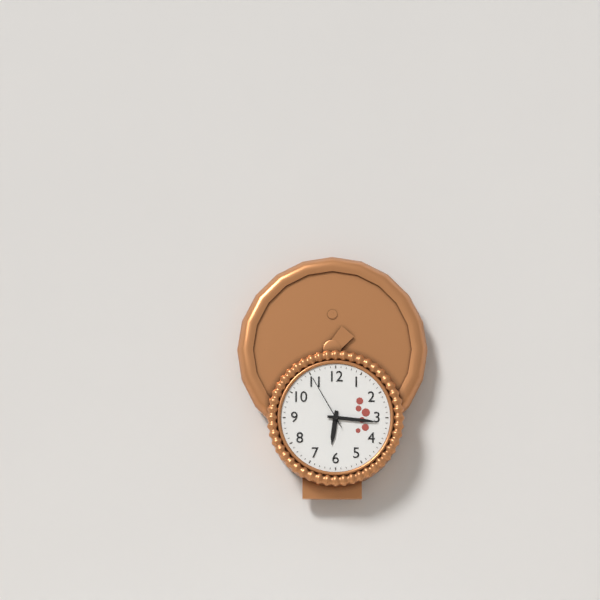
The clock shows 6:16:55
